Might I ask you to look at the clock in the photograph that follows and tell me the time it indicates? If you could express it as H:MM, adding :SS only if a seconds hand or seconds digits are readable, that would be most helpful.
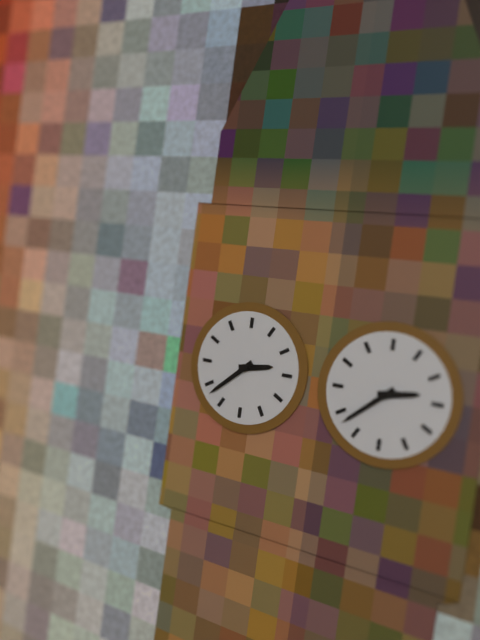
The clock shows 2:38
